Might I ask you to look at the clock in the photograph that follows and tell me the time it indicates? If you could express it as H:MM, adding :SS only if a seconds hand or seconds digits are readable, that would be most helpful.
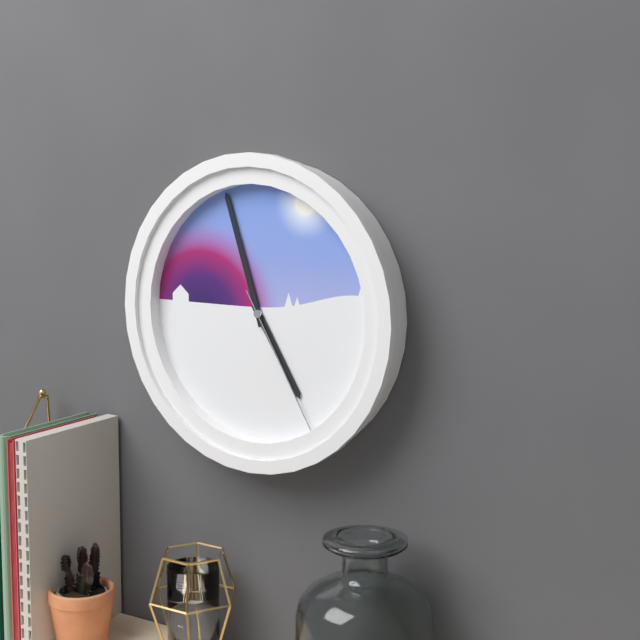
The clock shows 4:57:25
